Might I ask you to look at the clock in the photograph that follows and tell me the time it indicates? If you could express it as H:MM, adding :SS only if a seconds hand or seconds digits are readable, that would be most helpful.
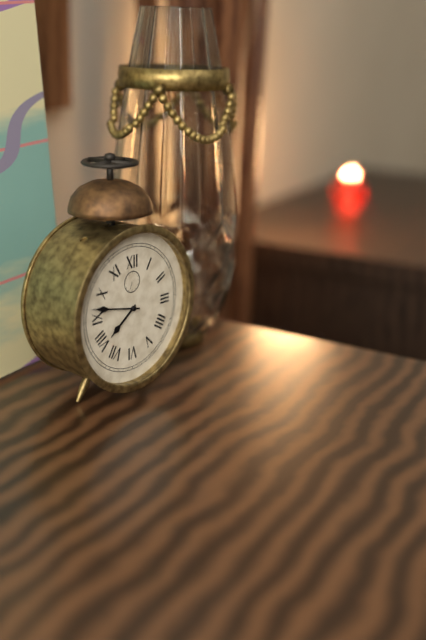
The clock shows 7:47
